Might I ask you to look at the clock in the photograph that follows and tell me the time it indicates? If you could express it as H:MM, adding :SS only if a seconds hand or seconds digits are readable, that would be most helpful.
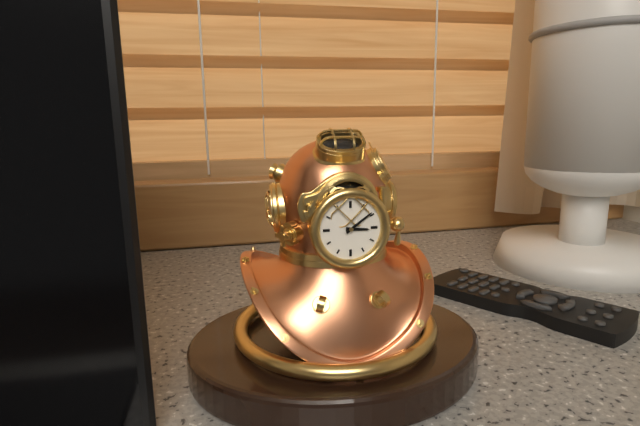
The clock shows 3:09
